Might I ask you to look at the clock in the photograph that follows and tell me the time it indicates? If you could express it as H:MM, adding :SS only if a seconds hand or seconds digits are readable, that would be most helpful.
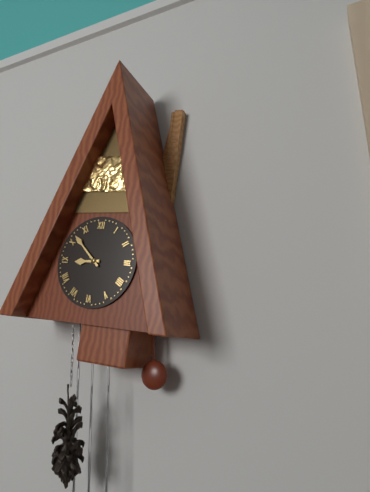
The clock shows 8:52
